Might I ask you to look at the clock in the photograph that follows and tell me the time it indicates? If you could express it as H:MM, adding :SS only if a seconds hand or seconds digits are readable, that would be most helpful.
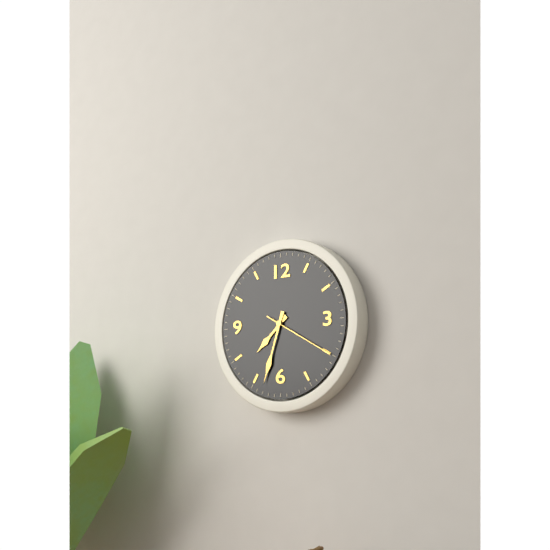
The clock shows 7:33:20
